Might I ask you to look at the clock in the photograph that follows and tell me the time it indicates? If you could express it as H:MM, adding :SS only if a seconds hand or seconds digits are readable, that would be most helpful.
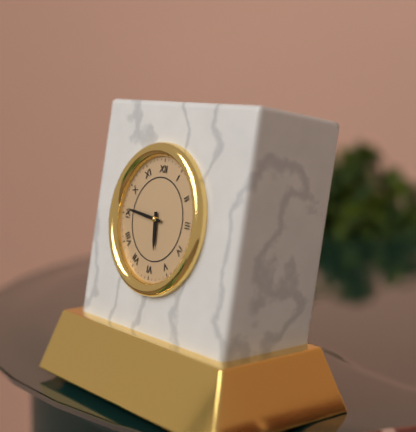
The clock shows 5:46
